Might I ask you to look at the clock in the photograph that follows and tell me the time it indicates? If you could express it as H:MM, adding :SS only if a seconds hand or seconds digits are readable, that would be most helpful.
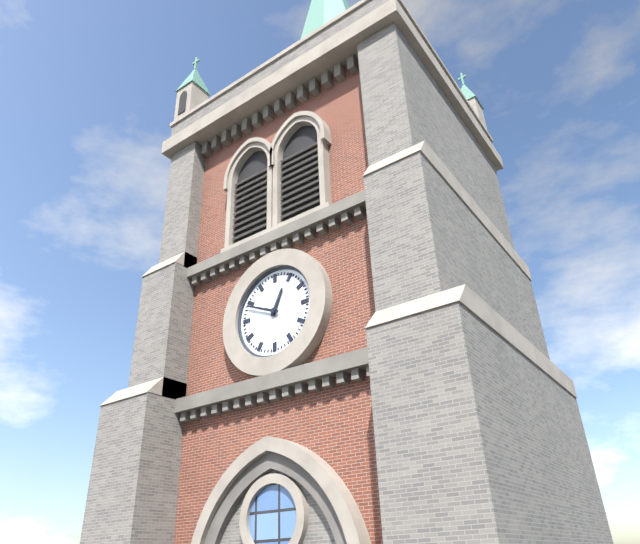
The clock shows 12:49
